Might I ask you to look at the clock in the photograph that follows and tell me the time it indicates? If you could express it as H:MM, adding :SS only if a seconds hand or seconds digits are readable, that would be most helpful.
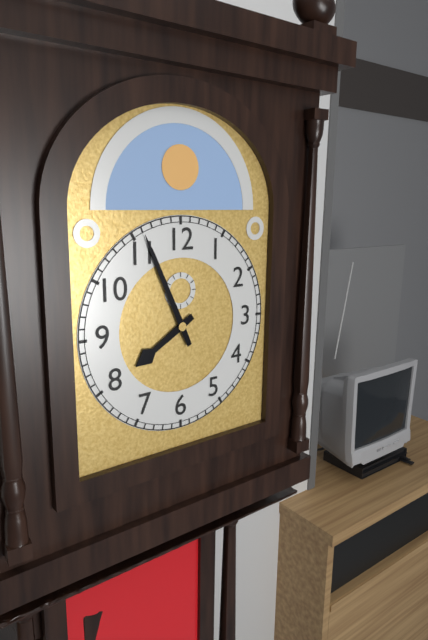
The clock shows 7:56
